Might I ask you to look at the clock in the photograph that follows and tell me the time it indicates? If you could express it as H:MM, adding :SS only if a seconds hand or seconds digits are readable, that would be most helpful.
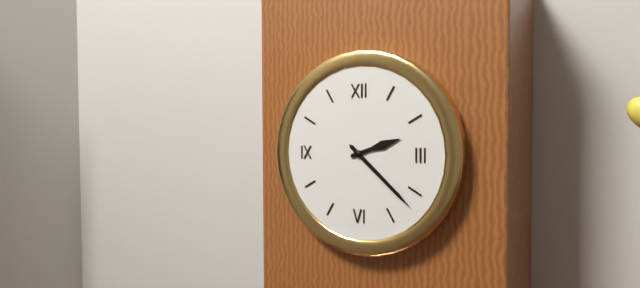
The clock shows 2:22
